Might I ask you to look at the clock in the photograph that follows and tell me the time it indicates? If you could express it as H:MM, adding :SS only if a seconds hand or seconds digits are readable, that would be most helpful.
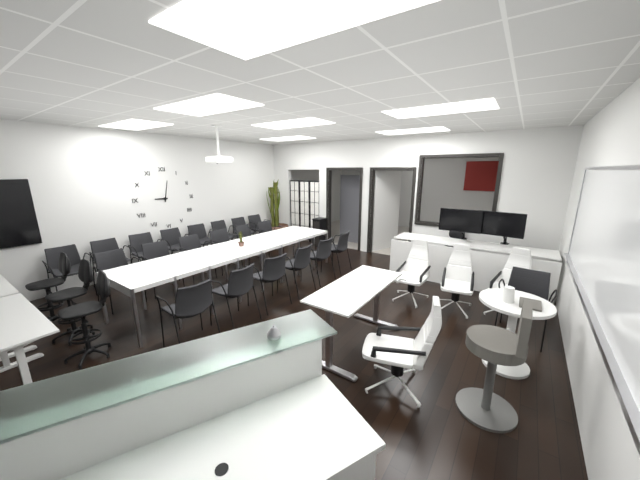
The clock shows 9:02
